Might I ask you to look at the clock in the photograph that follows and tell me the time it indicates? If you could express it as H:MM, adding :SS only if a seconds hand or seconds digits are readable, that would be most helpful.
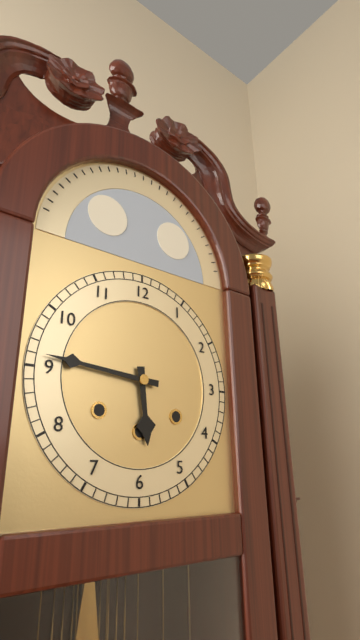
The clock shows 5:46
